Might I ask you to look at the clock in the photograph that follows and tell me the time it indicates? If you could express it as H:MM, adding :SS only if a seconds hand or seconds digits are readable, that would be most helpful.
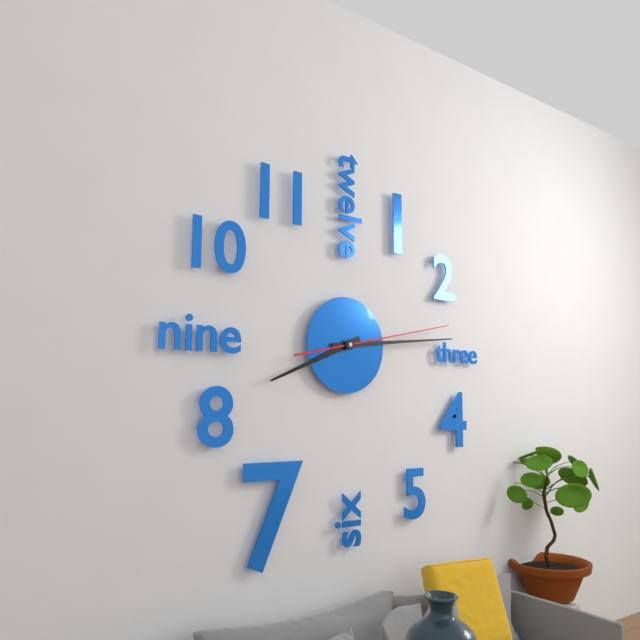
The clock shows 8:14:13
